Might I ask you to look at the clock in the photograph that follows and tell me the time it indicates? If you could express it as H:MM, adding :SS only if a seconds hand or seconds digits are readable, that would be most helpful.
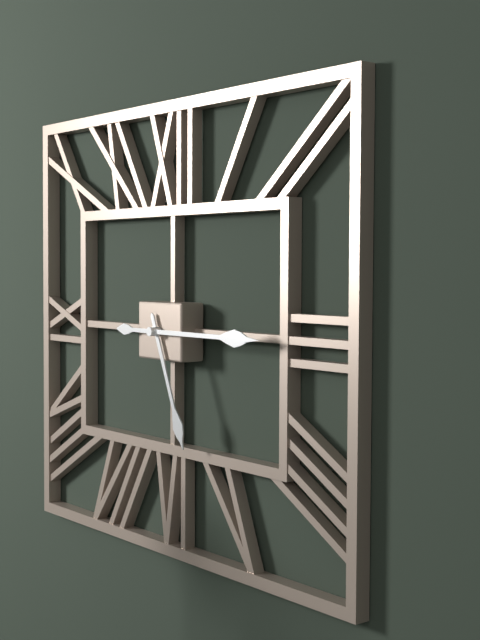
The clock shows 5:15
